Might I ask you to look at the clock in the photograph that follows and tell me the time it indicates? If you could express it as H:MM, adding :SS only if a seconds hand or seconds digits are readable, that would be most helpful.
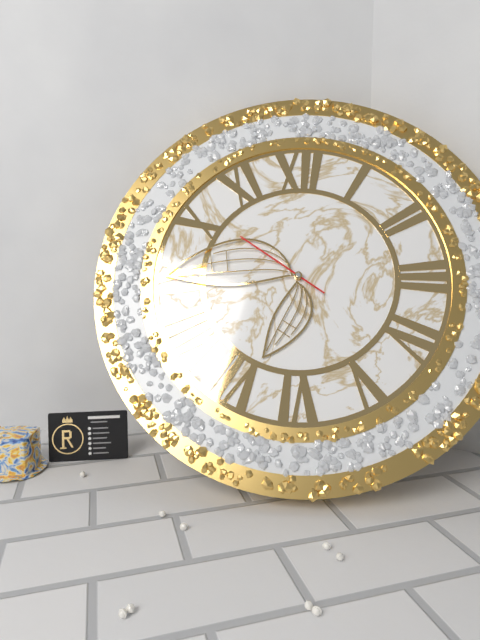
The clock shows 6:45:51
